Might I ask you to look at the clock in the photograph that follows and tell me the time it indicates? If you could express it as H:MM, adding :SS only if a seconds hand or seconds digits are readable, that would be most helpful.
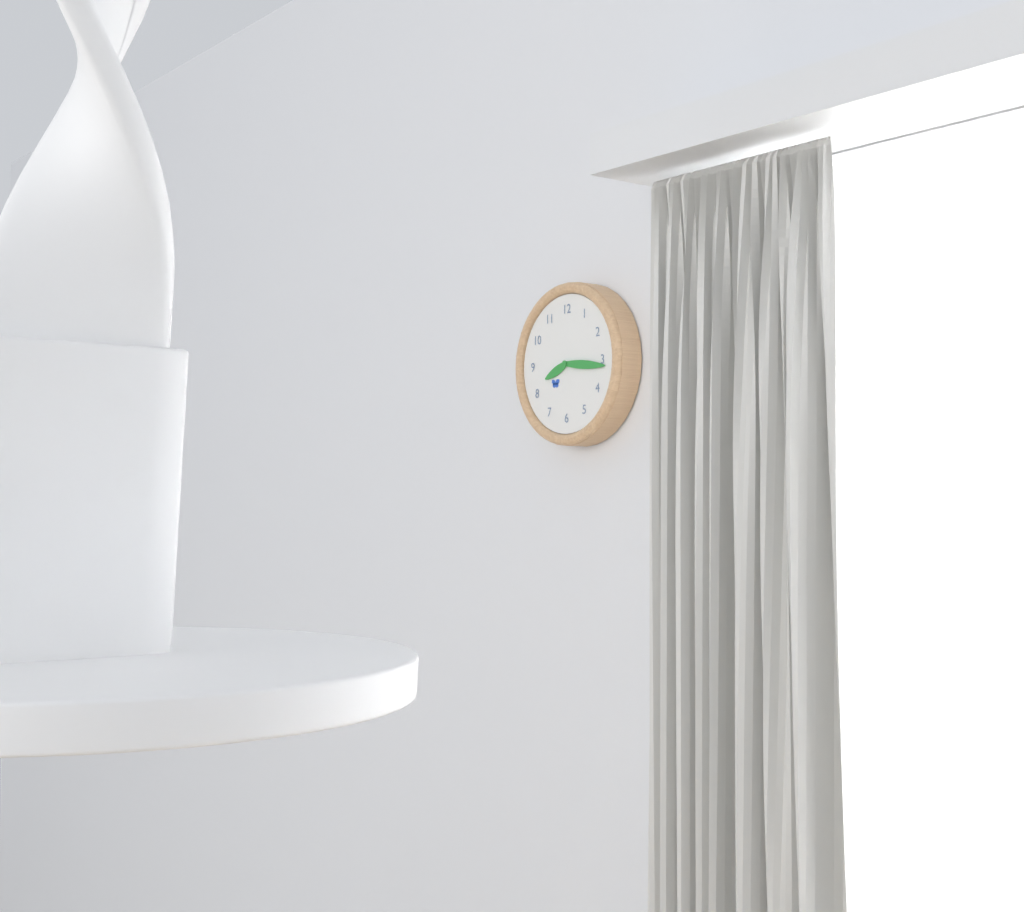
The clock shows 8:16
